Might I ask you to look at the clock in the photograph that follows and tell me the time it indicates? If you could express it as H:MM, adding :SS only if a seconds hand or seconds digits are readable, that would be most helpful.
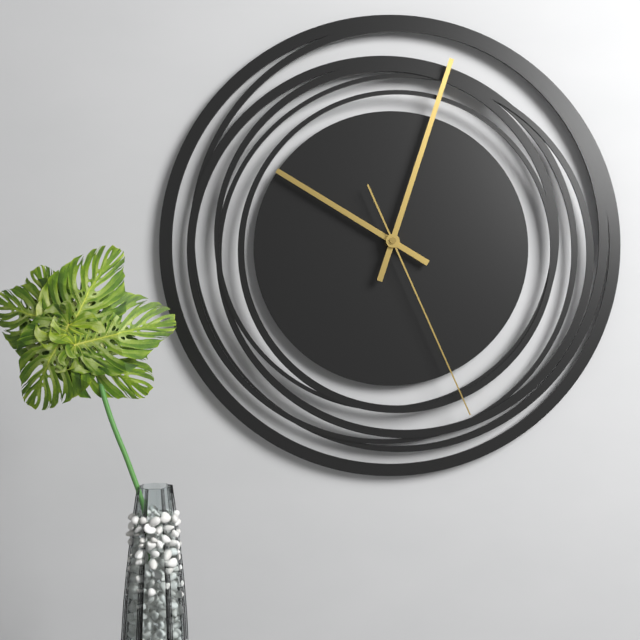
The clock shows 10:03:26
